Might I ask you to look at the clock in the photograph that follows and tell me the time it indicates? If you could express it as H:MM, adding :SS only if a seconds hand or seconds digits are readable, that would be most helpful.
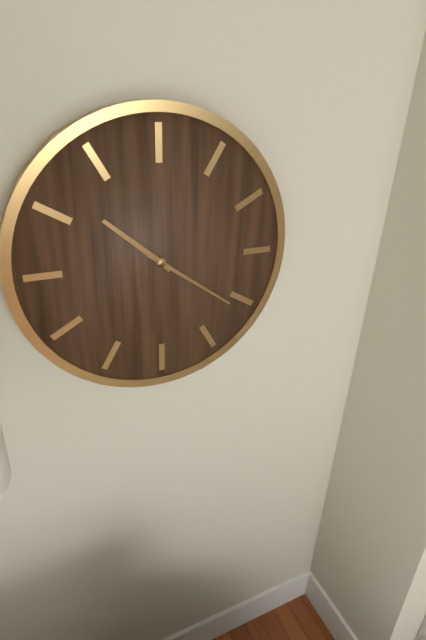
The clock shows 10:21
